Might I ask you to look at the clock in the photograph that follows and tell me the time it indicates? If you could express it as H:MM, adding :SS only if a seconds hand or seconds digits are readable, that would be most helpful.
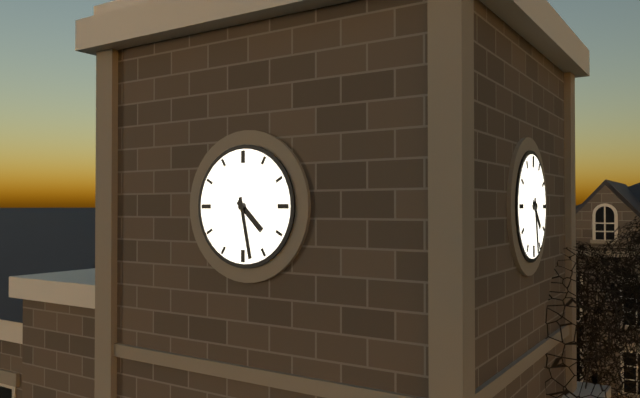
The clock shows 4:28
